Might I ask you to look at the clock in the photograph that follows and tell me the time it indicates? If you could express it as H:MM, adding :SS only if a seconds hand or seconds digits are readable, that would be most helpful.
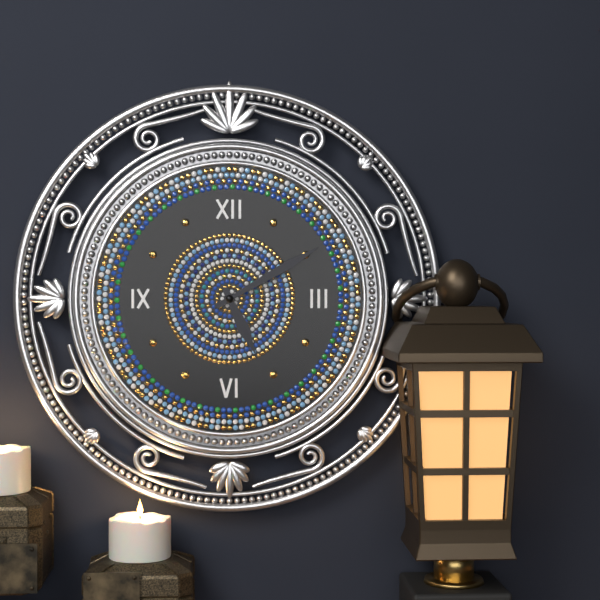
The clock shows 5:10
